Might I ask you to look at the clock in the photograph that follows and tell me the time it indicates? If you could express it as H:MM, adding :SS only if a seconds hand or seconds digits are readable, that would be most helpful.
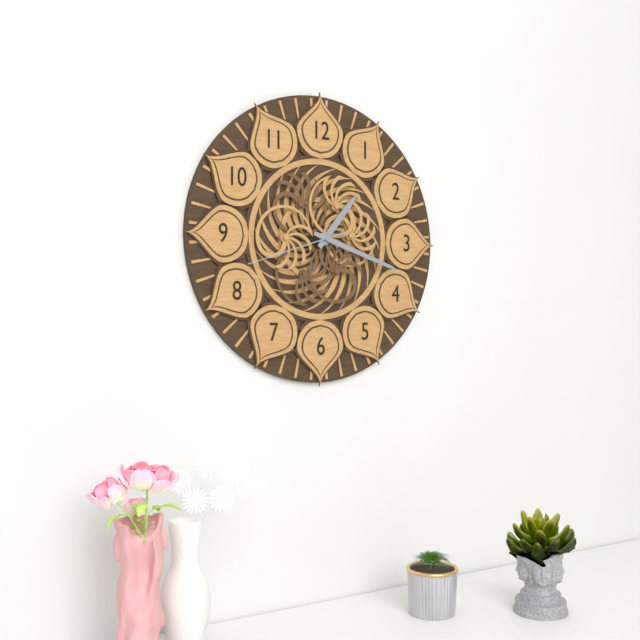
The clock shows 1:18:42
